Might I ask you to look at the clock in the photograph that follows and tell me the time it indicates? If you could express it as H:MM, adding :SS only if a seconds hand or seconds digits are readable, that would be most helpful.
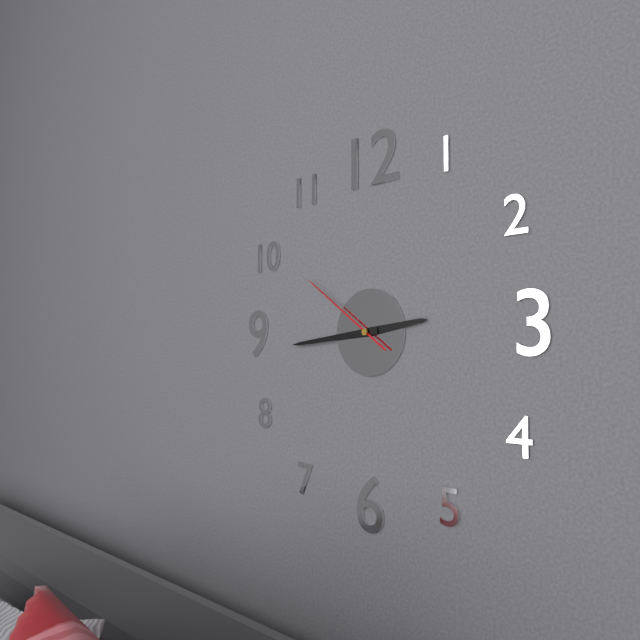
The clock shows 2:44:51
